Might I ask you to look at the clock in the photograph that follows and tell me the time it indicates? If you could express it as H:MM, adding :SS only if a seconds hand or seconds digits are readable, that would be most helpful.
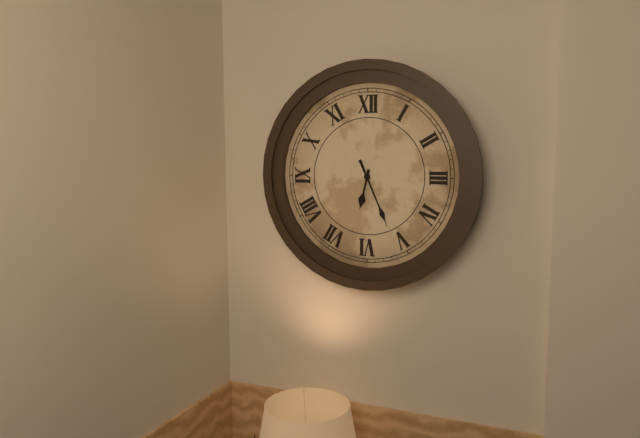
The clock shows 6:26
